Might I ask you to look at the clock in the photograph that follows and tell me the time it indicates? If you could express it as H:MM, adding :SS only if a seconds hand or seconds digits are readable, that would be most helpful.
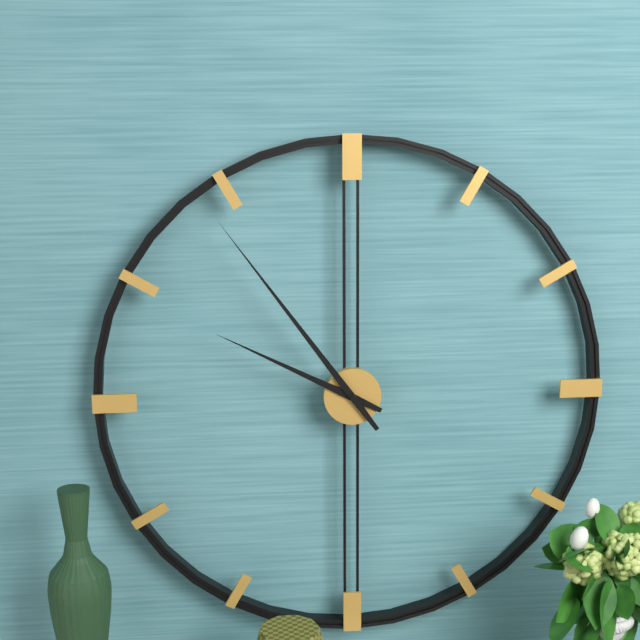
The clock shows 9:54
